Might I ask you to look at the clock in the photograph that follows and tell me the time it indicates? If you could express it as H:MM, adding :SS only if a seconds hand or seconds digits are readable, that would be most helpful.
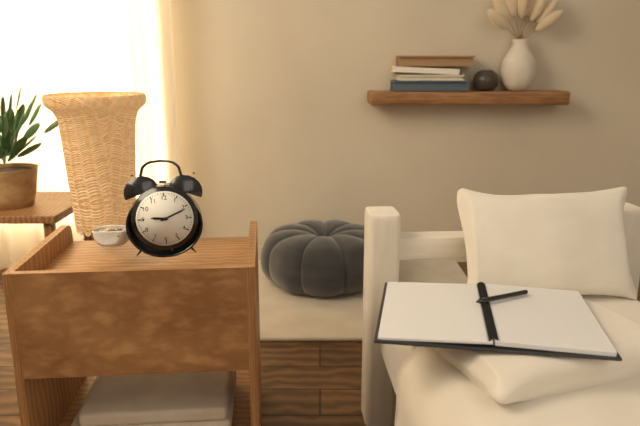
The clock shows 9:11
